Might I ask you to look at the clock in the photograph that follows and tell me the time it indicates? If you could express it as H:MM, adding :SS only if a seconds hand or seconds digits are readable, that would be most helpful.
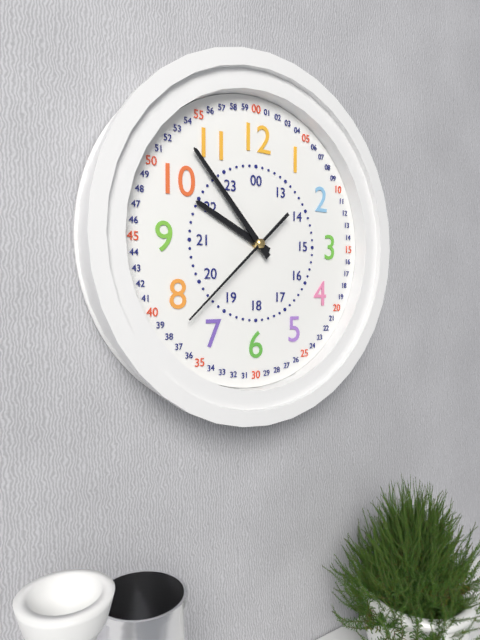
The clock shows 9:53:38
